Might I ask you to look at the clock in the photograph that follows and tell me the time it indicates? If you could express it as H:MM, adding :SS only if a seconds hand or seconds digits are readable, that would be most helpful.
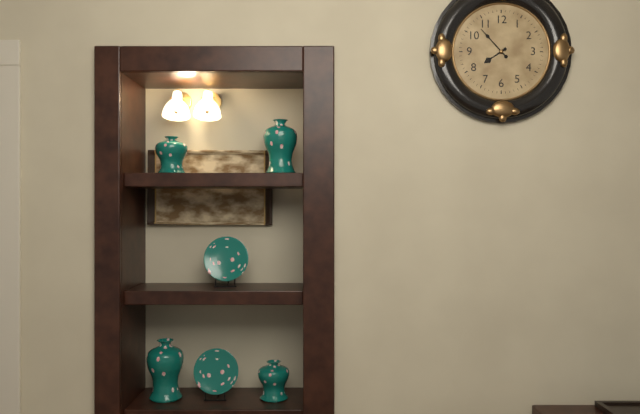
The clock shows 7:53
